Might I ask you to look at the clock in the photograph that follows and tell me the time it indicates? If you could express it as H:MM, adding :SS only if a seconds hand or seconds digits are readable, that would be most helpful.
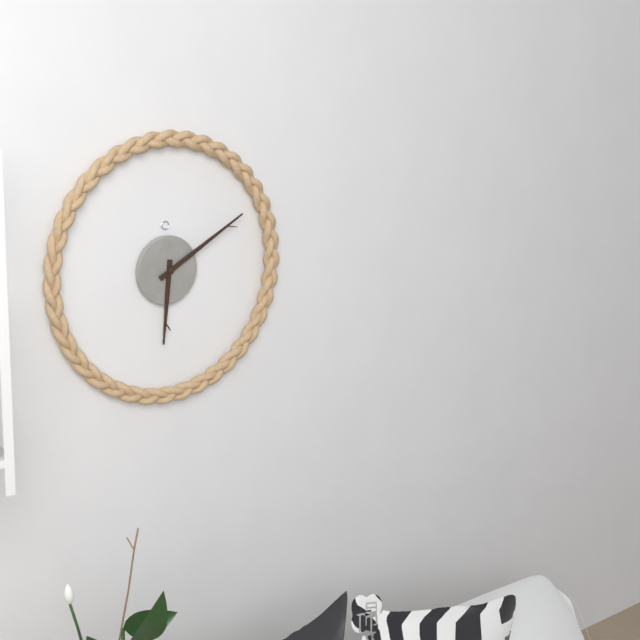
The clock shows 6:10
